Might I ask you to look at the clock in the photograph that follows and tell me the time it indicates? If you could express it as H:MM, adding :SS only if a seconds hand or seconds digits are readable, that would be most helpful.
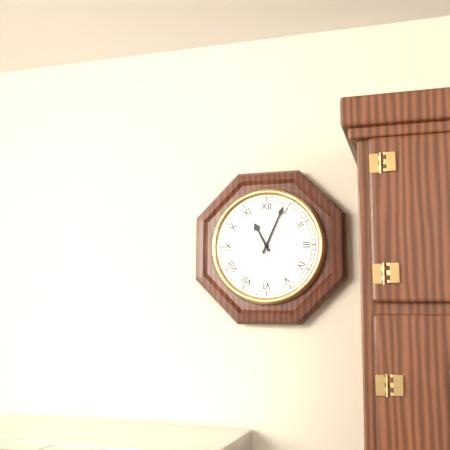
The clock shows 11:04
